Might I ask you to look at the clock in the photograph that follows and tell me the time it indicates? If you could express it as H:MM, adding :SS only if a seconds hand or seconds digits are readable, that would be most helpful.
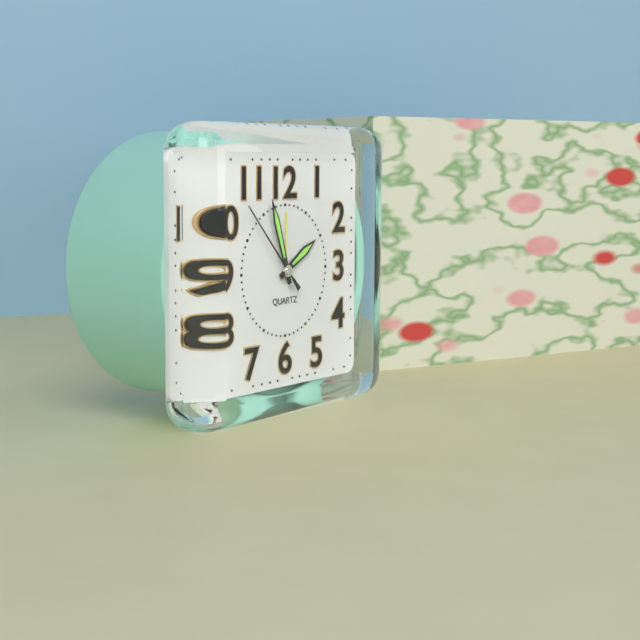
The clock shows 1:57:53
